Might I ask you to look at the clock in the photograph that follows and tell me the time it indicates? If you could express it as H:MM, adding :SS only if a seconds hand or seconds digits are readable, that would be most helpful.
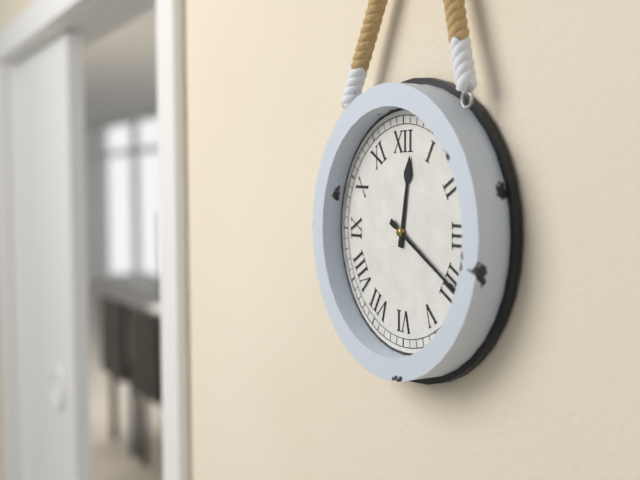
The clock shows 12:20
